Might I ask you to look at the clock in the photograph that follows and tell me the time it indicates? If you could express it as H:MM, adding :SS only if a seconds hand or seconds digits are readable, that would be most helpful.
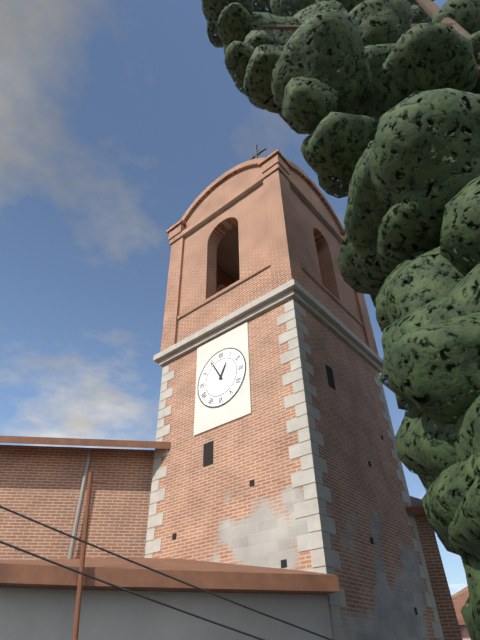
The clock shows 12:55
